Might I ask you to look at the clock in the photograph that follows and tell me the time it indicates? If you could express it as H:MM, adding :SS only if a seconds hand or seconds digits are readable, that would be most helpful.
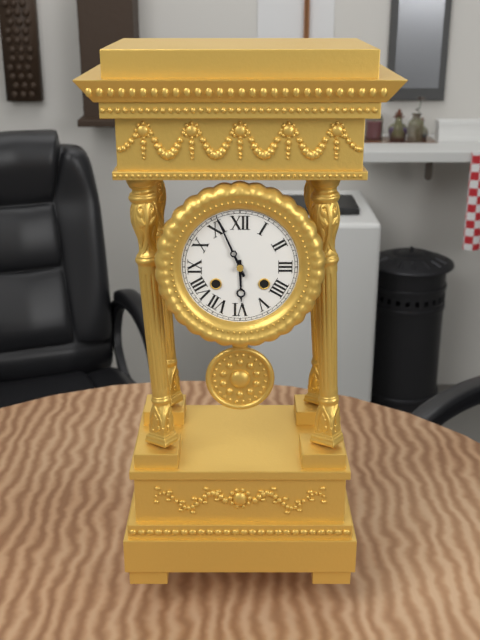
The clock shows 5:56
